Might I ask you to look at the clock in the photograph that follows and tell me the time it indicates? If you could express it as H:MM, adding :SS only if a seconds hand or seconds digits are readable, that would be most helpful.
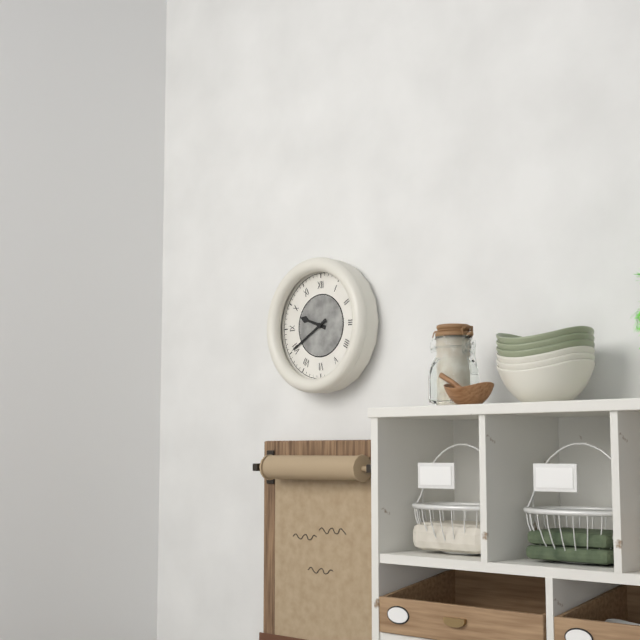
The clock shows 9:40
